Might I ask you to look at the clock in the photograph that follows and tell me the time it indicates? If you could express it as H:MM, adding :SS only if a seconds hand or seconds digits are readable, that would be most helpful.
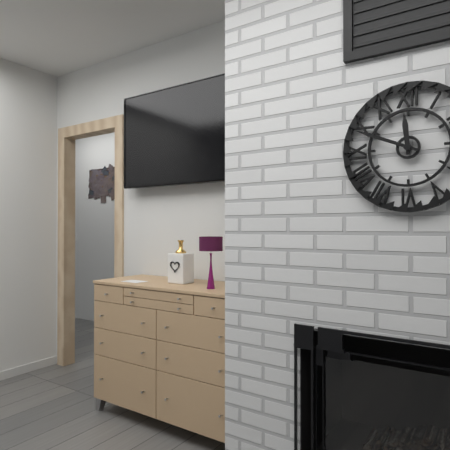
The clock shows 11:49
